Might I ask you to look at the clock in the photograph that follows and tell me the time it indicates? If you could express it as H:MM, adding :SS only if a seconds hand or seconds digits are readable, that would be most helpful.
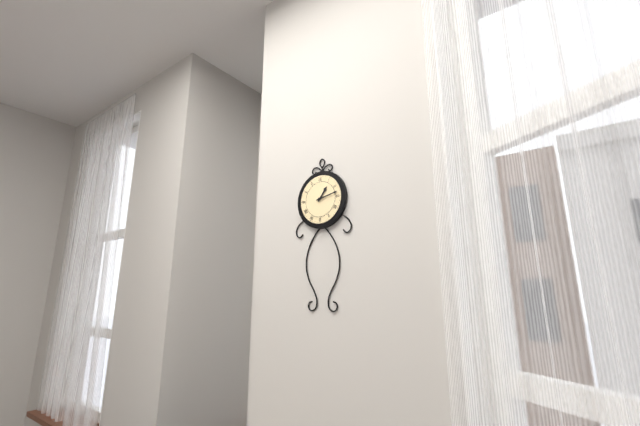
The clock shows 1:13
